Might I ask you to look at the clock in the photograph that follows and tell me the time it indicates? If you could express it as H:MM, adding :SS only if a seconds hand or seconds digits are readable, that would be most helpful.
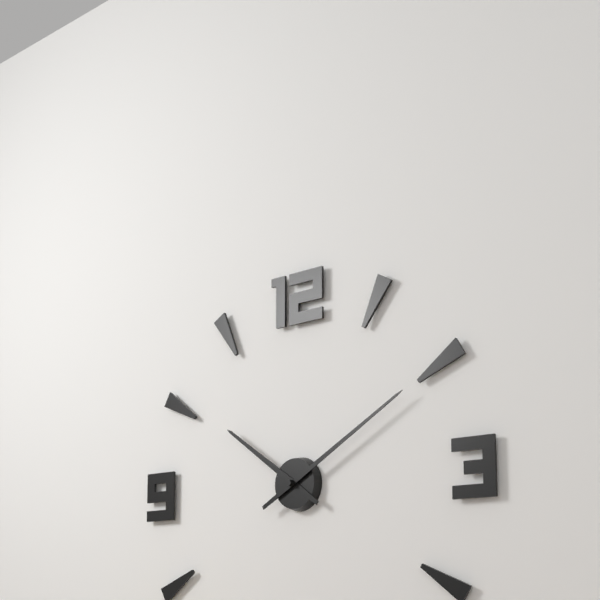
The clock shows 10:10
